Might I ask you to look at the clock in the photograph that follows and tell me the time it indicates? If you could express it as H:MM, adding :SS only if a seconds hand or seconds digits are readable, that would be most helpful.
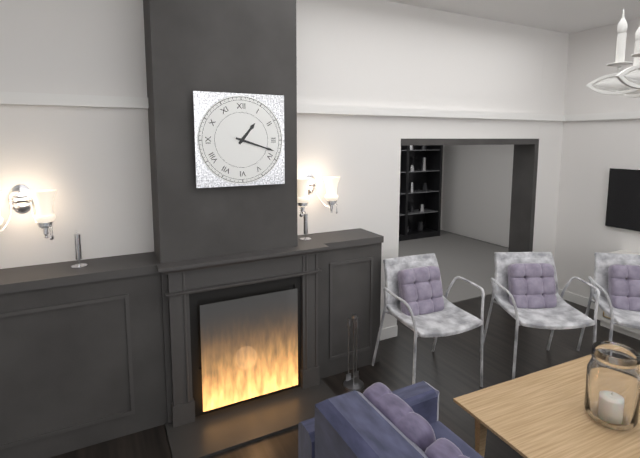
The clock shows 1:18
